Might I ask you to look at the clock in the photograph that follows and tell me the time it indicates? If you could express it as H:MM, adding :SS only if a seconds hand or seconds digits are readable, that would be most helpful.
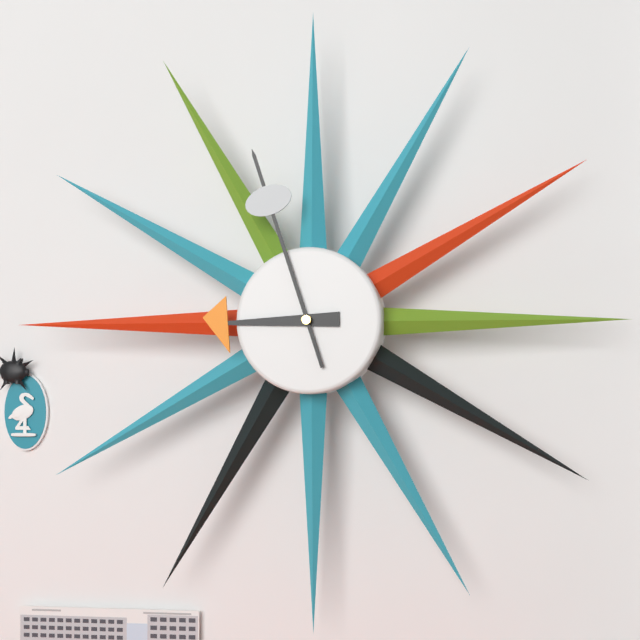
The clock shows 8:57
